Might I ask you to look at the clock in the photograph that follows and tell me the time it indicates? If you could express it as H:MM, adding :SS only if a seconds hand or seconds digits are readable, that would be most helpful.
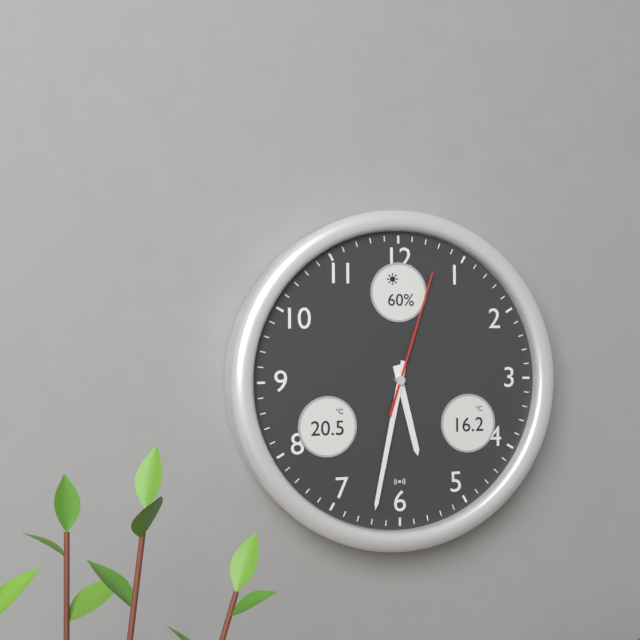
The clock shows 5:32:03
